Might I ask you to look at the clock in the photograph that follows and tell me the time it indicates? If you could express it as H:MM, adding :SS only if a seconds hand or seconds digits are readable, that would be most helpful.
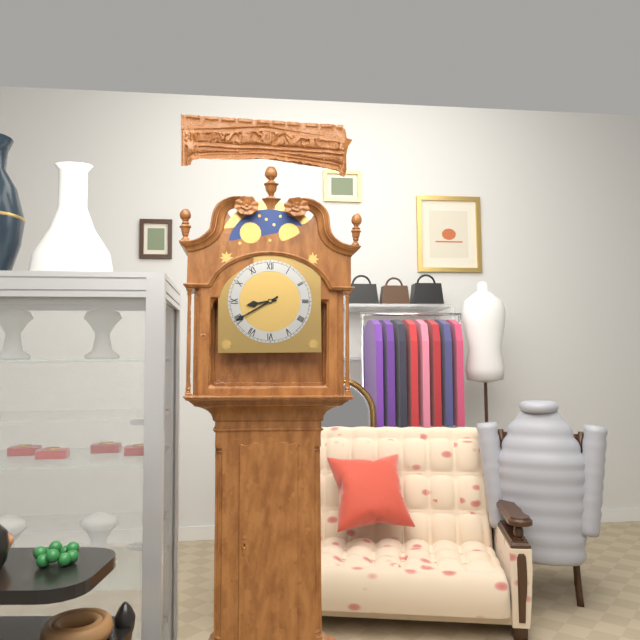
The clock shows 8:40
